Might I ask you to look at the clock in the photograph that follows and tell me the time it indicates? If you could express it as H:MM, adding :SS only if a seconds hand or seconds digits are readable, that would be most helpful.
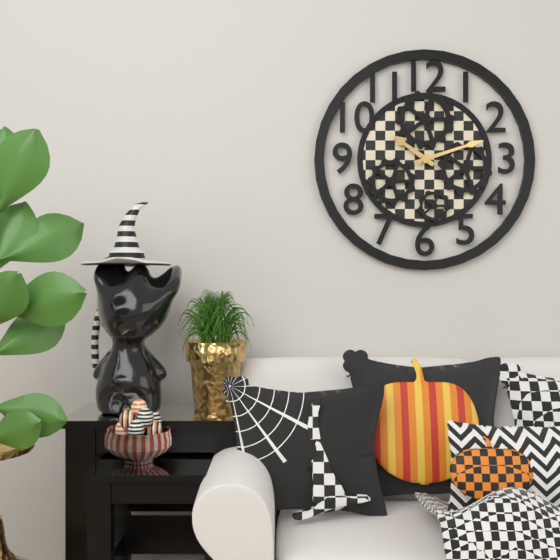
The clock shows 10:12
